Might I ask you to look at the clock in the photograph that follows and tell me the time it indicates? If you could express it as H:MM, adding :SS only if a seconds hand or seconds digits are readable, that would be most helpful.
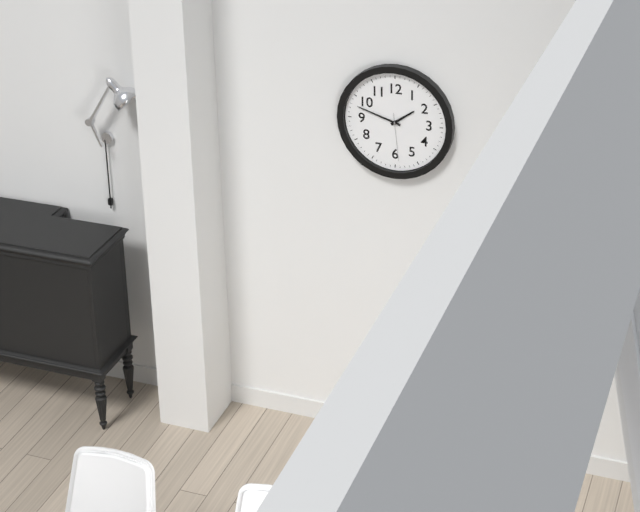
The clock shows 1:48:29
